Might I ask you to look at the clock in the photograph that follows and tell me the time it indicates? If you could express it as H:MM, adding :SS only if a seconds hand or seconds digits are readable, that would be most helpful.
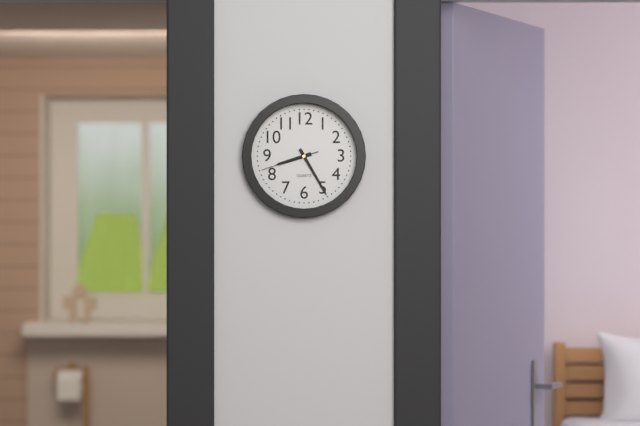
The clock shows 8:25:42
